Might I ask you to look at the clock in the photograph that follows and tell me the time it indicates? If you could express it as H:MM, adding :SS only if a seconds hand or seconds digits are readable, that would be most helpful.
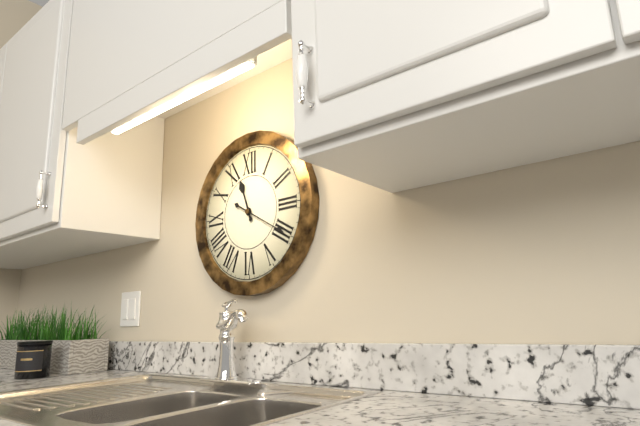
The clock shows 11:20
